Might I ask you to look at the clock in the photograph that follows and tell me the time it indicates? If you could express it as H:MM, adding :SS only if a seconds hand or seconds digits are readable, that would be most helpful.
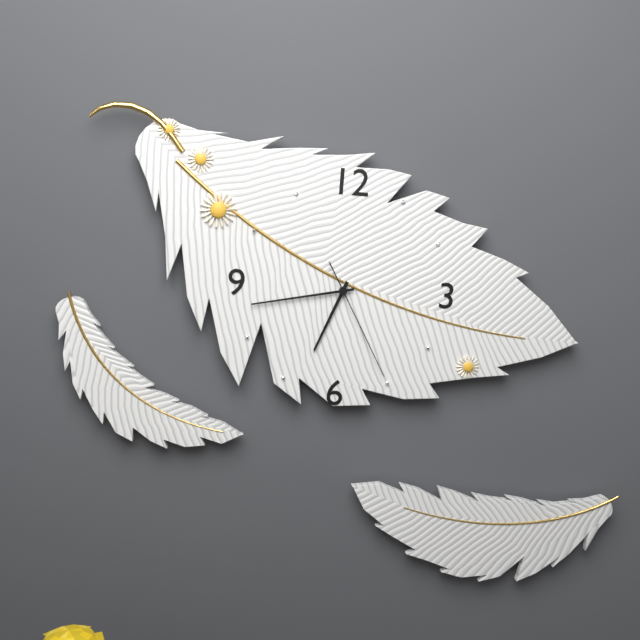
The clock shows 6:43:25
